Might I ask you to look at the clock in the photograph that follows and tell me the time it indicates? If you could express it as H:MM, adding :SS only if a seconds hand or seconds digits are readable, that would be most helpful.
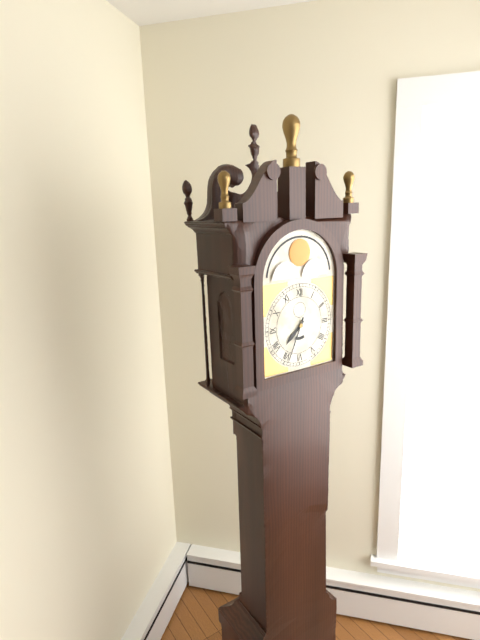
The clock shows 7:34
